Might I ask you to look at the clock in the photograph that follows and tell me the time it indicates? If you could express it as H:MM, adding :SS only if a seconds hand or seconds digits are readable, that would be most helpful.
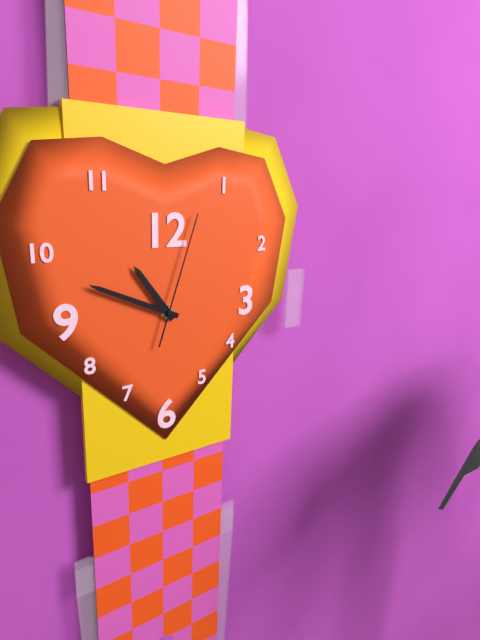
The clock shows 10:49:03
